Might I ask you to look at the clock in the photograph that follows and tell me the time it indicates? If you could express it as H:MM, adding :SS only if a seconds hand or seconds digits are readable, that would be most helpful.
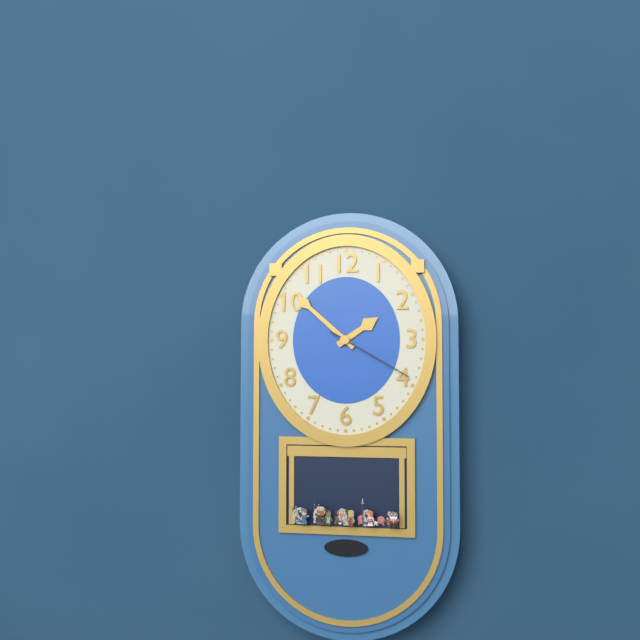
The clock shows 1:52:20
